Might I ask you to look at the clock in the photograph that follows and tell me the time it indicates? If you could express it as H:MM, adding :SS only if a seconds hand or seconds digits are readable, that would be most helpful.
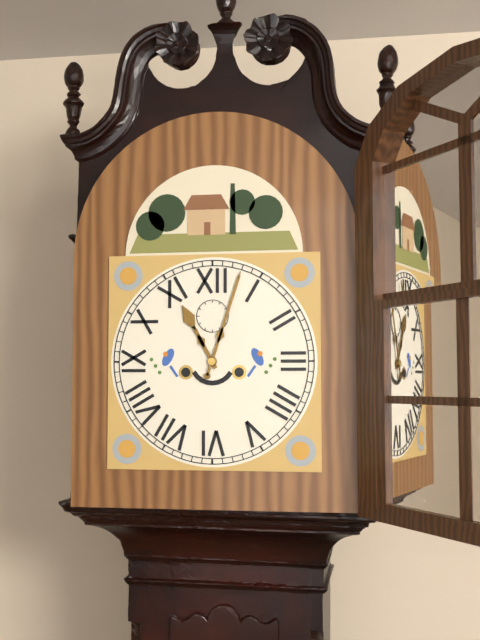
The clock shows 11:03
